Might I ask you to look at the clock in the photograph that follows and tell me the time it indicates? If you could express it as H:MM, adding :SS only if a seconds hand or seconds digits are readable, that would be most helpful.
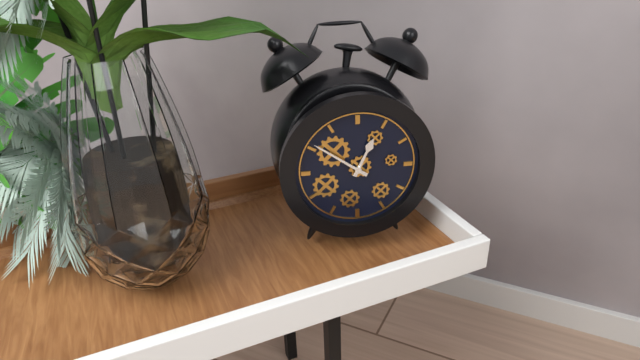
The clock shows 12:51
